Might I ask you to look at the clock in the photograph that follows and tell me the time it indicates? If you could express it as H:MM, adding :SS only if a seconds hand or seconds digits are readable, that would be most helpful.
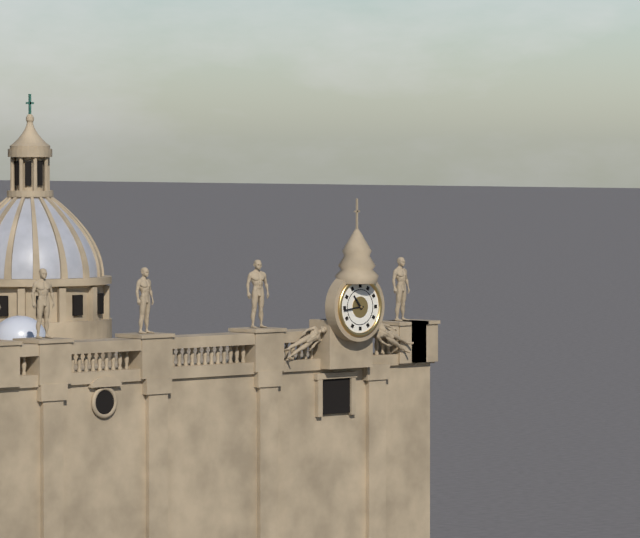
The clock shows 10:44
